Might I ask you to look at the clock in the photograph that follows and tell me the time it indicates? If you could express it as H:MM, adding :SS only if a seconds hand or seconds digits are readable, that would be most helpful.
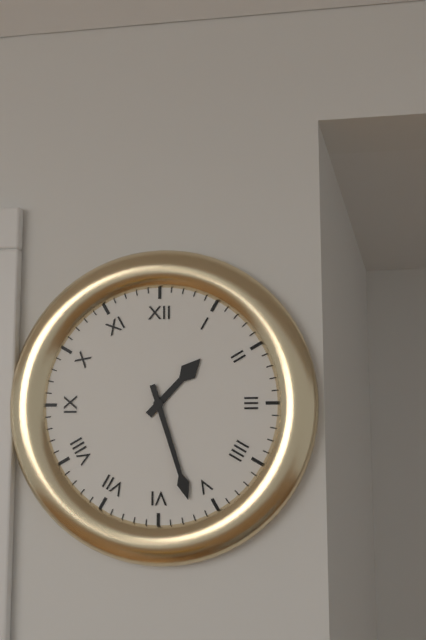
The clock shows 1:27
